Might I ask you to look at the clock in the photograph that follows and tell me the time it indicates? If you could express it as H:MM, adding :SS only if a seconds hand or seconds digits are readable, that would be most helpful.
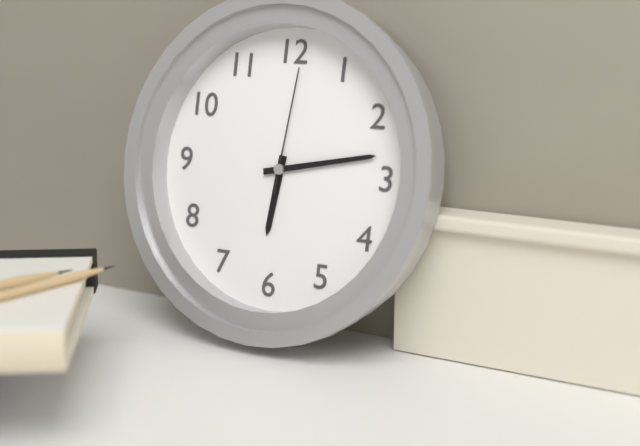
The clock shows 6:13:01
